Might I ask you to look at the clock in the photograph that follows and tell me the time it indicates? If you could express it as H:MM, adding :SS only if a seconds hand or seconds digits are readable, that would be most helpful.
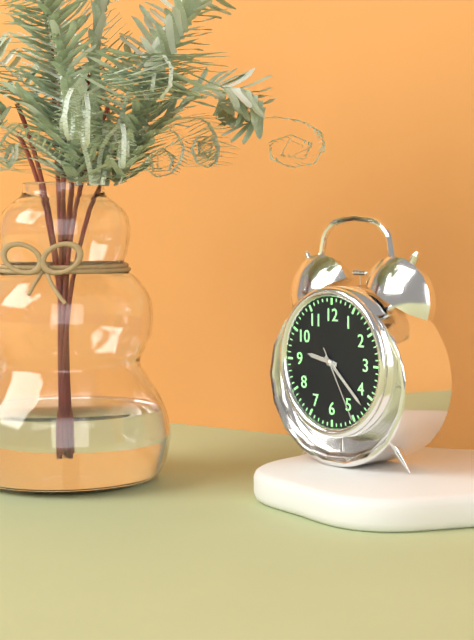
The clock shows 9:22:25
